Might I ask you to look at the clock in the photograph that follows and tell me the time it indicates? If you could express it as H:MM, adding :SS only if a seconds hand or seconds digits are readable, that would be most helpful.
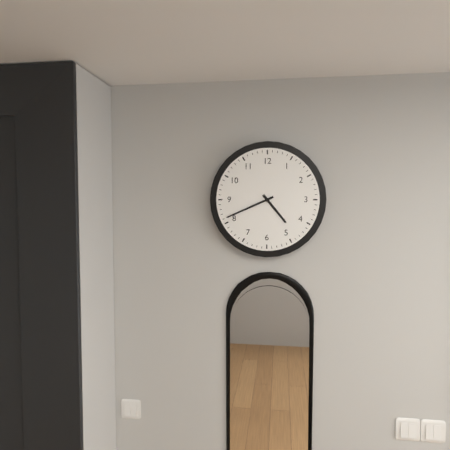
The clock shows 4:41
